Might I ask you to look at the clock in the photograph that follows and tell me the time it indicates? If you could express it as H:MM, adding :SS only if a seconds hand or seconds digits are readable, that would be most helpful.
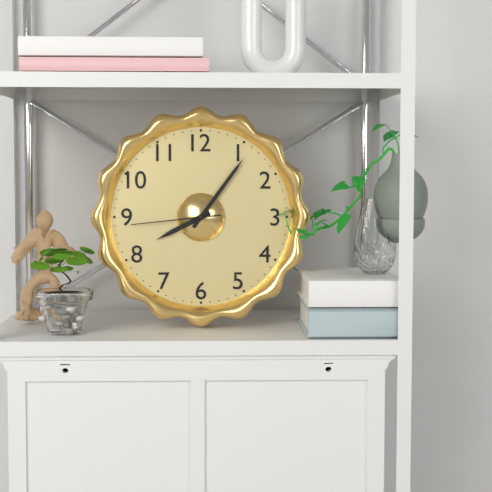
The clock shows 8:06:44
